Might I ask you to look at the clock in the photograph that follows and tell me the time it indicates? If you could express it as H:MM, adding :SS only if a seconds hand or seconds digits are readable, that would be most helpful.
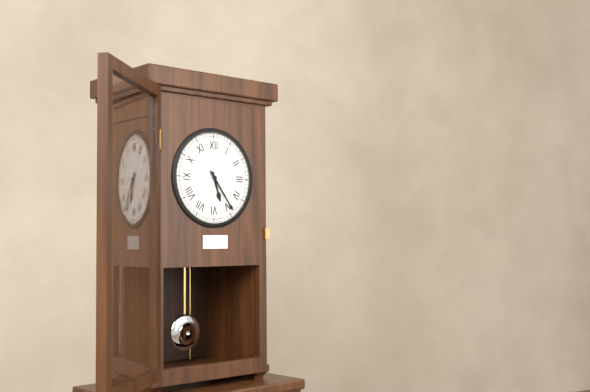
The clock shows 5:24
